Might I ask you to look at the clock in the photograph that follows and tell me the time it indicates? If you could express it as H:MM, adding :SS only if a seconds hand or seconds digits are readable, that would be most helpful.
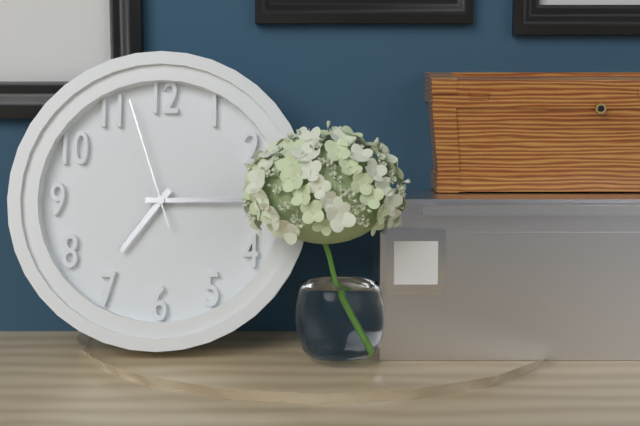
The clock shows 7:15:57
